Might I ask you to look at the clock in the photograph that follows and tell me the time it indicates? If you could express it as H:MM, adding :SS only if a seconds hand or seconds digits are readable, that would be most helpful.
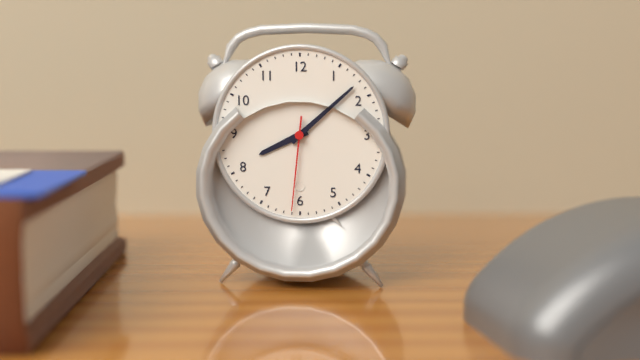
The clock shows 8:08:31
